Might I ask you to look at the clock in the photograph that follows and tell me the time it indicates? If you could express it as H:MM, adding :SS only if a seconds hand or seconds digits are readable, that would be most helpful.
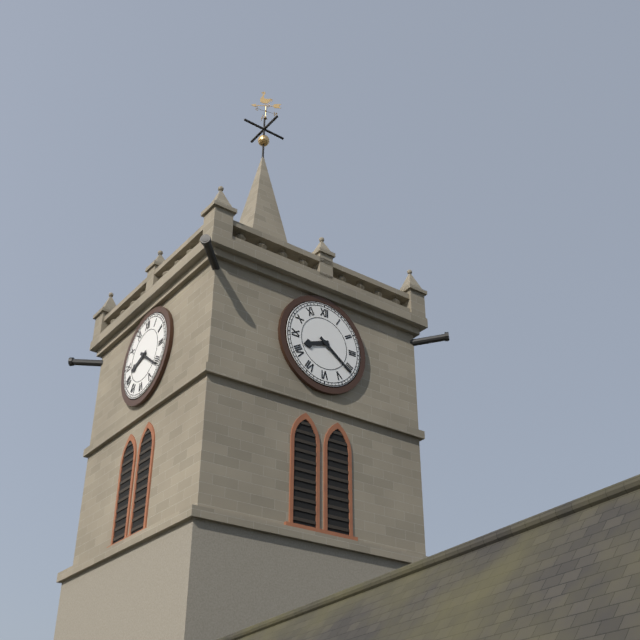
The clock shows 8:21
